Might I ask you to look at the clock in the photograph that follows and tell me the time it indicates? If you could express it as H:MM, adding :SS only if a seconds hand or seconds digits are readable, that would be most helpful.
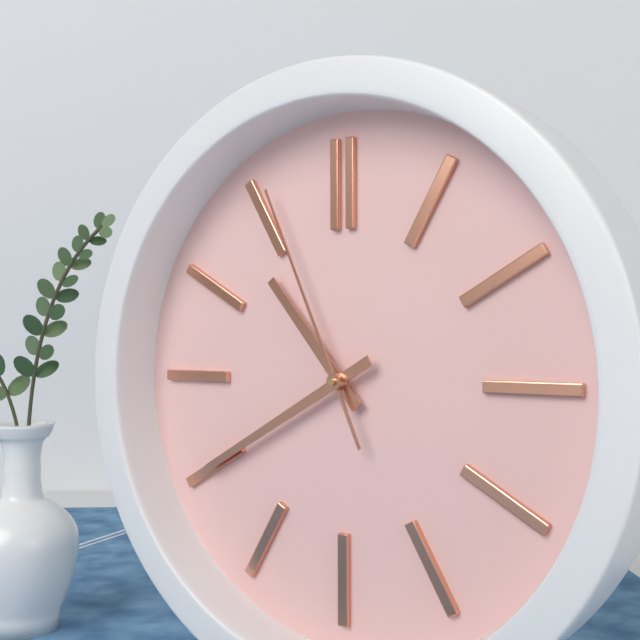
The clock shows 10:40:56
